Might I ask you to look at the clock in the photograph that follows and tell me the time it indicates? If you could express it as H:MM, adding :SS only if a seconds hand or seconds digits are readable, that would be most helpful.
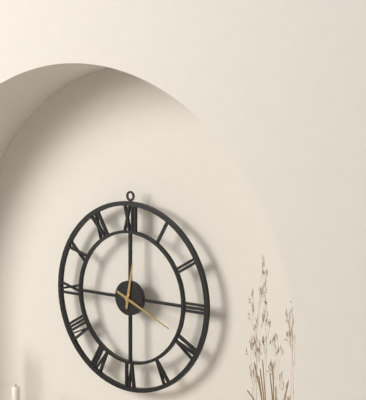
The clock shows 12:19
